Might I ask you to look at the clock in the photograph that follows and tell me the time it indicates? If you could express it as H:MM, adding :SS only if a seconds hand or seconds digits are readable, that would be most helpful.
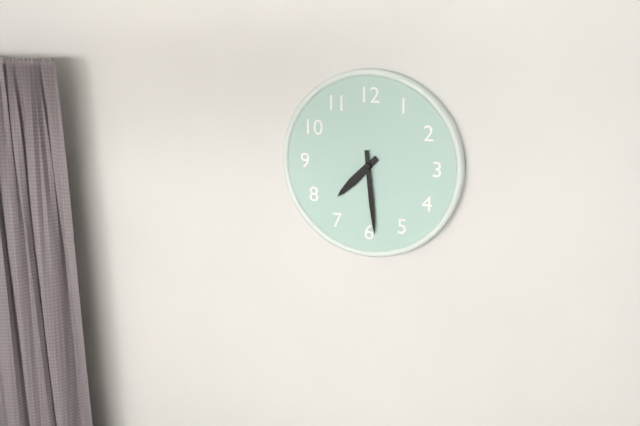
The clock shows 7:29
